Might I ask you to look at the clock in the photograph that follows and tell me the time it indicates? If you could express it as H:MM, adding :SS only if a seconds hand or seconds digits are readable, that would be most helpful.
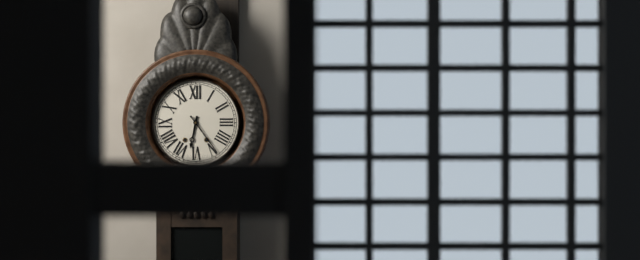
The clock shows 6:24
